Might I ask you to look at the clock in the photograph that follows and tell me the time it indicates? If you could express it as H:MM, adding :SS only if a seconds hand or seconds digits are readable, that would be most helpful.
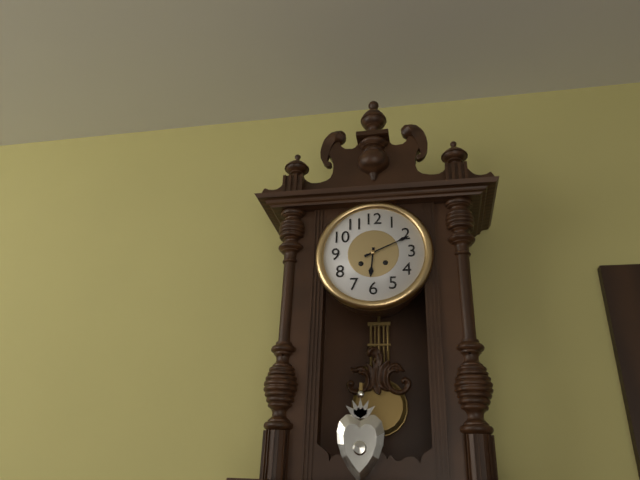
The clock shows 6:11
